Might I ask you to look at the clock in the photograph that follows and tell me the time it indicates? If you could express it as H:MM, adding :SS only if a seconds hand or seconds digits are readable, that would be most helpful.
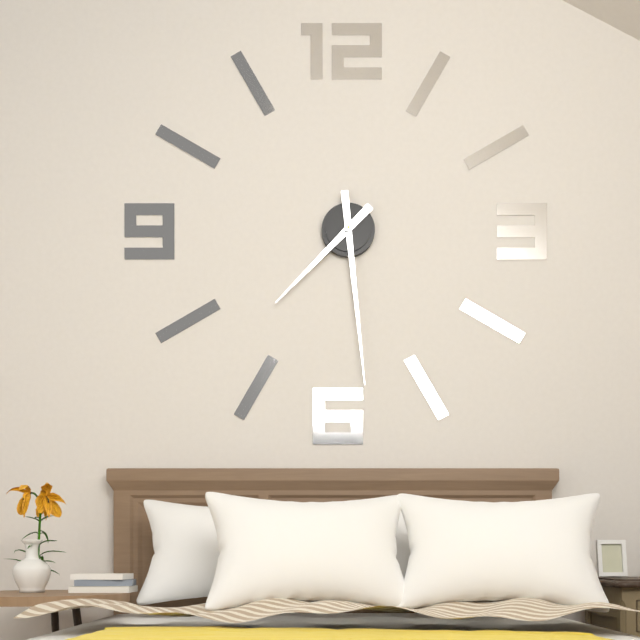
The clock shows 7:29
